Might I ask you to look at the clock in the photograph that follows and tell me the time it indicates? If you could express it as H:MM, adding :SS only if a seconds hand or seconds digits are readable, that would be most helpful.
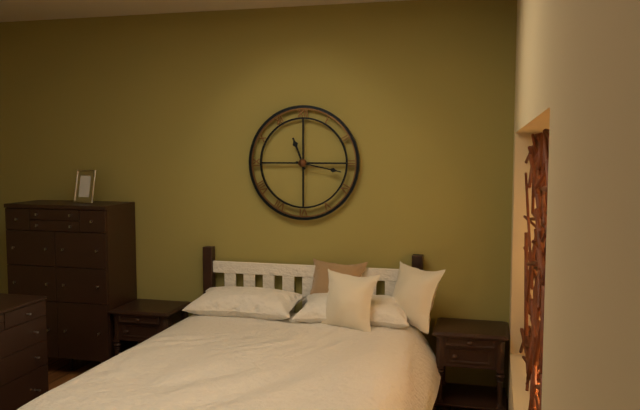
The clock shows 11:17
